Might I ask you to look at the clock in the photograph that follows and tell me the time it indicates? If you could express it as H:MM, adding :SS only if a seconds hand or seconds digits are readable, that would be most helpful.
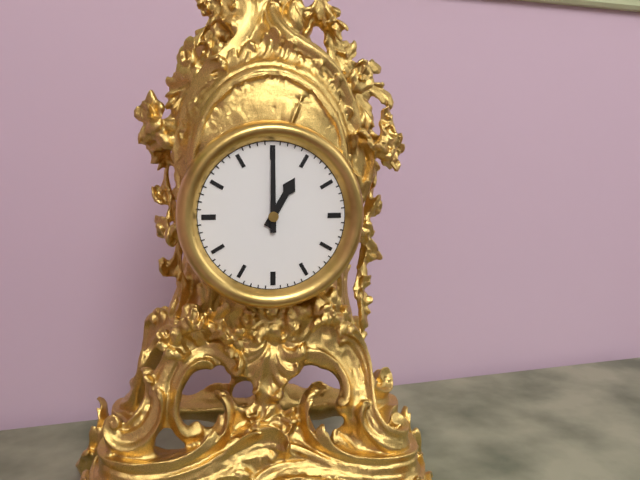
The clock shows 1:00
